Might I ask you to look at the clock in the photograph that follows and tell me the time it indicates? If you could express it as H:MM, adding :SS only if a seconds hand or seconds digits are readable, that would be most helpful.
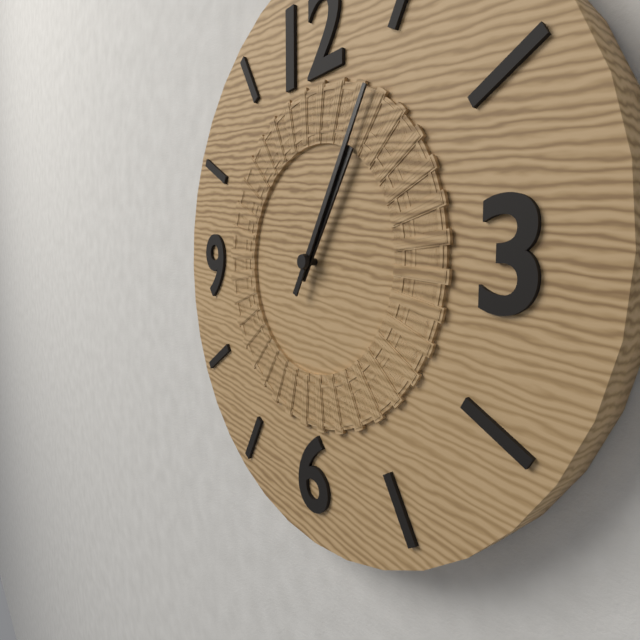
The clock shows 1:05
